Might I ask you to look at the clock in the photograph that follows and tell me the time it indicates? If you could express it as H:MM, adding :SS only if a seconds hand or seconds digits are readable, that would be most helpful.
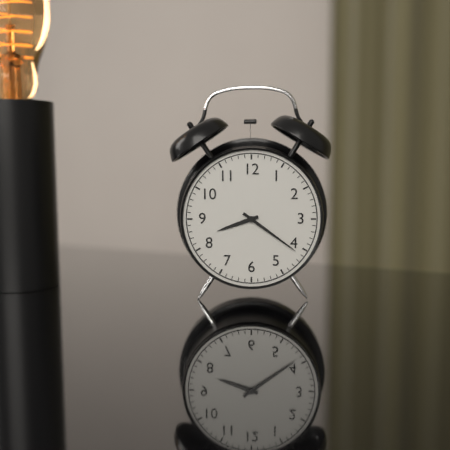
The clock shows 8:21
